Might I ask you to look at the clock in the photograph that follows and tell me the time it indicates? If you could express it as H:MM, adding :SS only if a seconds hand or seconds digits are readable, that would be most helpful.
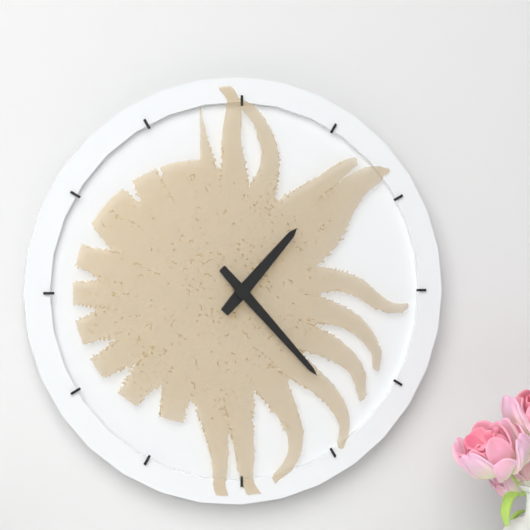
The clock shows 1:23
